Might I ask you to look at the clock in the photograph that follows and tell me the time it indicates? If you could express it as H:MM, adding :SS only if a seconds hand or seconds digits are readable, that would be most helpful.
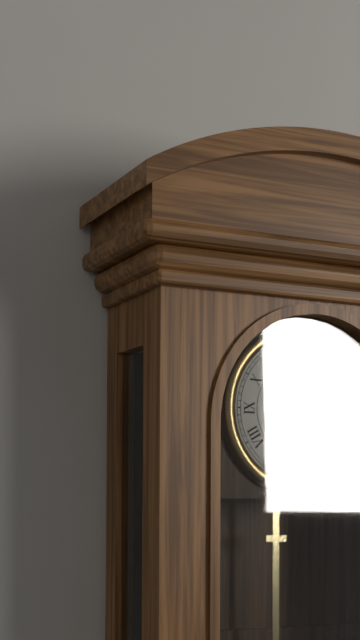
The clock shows 5:24
